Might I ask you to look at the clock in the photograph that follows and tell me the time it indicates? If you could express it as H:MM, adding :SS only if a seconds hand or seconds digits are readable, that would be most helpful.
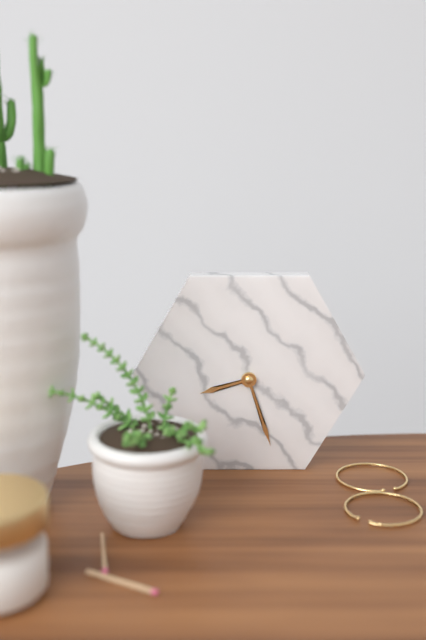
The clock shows 8:27
